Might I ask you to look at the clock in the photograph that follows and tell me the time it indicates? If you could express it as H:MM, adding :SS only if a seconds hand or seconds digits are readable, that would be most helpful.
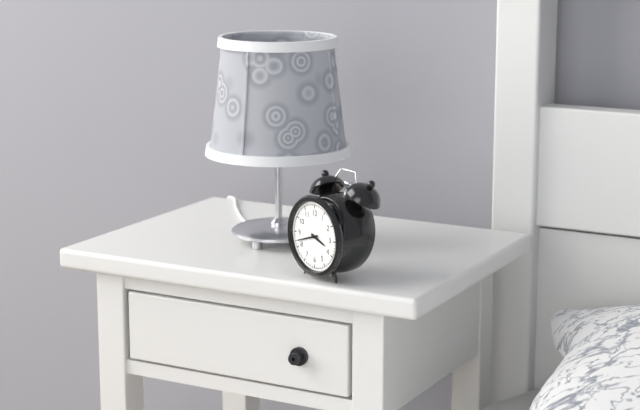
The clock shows 3:42
